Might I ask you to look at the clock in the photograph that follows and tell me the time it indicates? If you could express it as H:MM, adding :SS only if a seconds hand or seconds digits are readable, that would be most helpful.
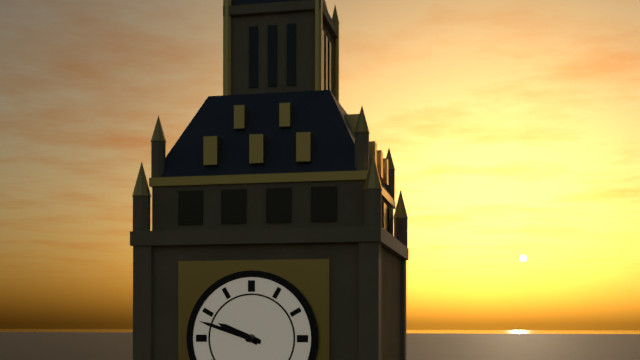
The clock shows 9:48
